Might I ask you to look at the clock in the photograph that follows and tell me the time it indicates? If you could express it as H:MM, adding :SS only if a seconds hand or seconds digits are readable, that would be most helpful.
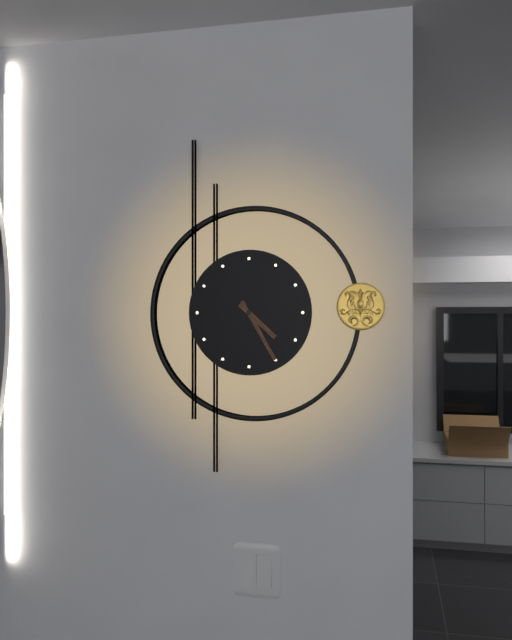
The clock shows 4:25
